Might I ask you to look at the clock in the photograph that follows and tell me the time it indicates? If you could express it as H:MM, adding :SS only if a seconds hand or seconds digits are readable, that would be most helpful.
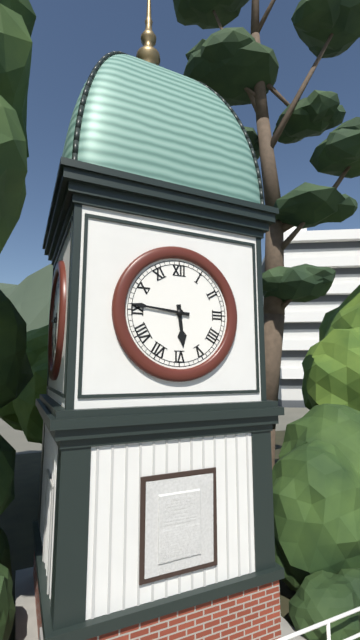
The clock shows 5:46
